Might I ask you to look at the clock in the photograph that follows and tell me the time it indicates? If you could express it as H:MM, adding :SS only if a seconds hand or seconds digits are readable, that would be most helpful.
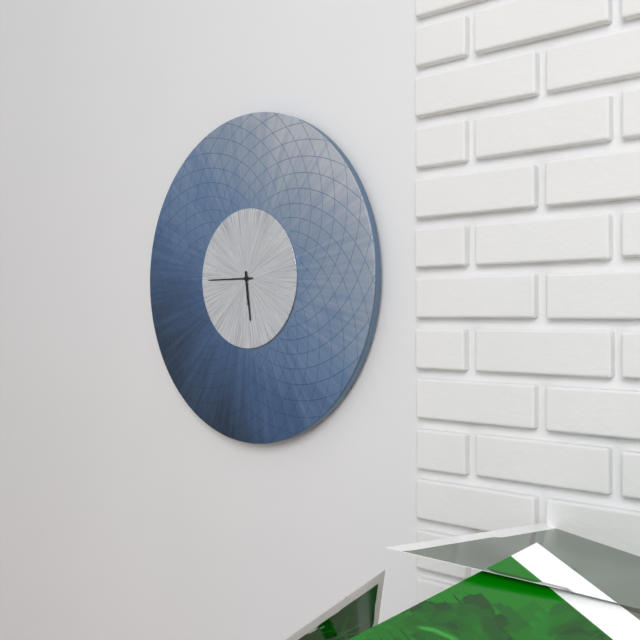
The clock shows 5:45
